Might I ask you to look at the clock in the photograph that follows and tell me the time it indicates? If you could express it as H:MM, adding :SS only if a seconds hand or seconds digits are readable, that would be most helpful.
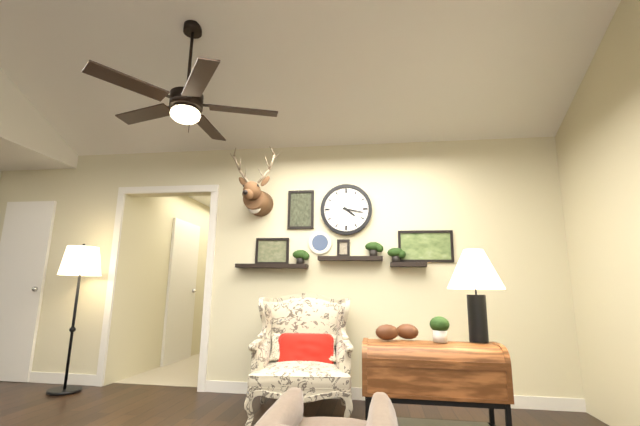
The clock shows 4:17
